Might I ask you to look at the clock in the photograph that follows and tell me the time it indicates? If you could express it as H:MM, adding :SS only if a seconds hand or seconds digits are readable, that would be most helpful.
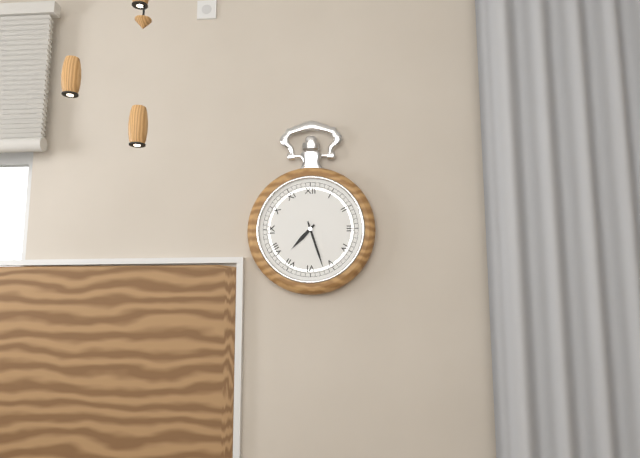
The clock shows 7:27
